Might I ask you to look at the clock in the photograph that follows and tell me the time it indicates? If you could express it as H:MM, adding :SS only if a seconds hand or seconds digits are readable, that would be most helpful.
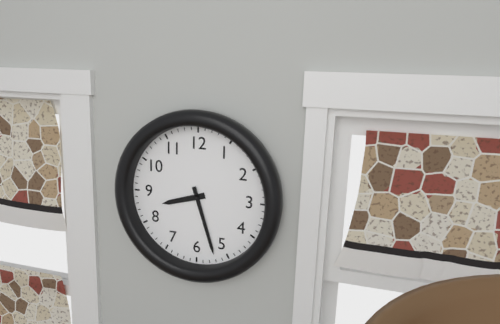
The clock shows 8:27
